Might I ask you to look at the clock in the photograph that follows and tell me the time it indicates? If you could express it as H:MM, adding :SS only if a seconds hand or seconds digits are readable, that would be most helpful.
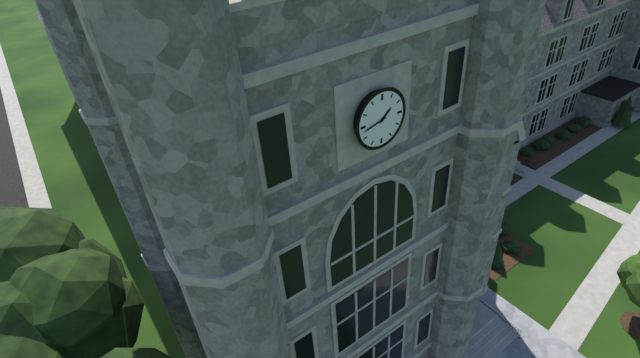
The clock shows 1:43
